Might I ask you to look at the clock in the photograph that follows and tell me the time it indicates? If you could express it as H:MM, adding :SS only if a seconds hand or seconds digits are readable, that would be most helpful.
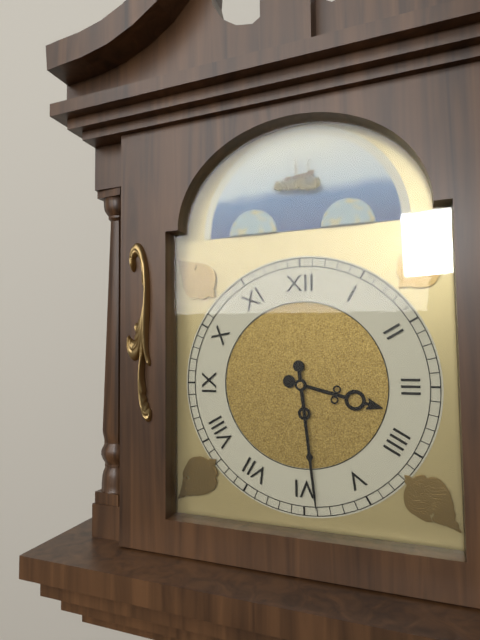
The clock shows 3:29
